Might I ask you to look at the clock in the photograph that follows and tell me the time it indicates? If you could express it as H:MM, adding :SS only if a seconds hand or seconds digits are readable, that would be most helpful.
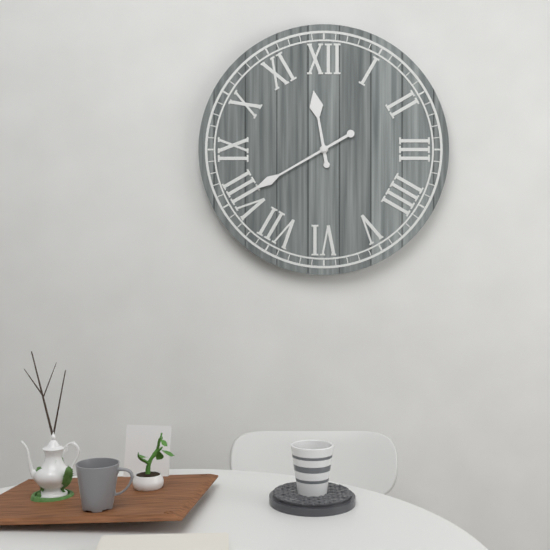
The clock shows 11:40
